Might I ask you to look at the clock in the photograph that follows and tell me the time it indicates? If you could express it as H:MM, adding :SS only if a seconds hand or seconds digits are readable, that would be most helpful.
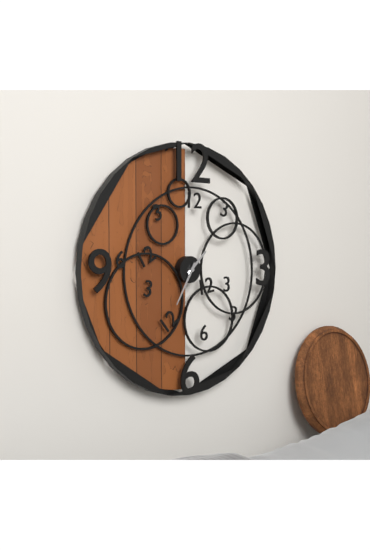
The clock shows 1:35
